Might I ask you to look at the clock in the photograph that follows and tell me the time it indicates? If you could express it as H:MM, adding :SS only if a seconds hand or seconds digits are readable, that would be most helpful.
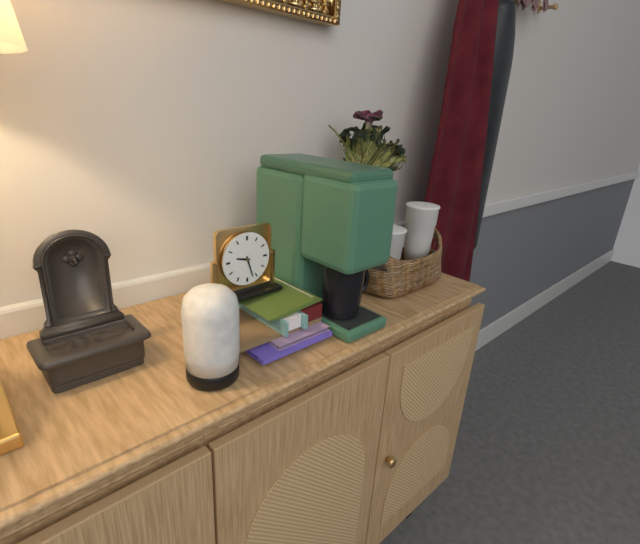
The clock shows 9:27
